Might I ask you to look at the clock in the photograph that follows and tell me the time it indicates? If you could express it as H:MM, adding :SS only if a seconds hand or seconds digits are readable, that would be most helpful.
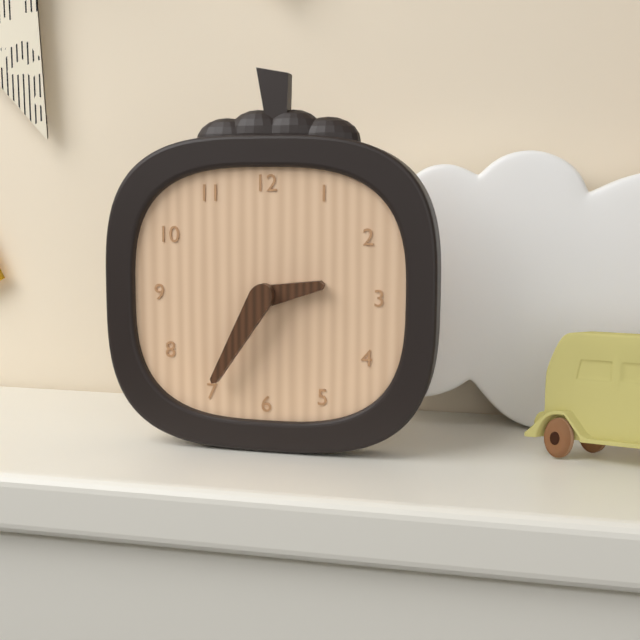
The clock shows 2:35
